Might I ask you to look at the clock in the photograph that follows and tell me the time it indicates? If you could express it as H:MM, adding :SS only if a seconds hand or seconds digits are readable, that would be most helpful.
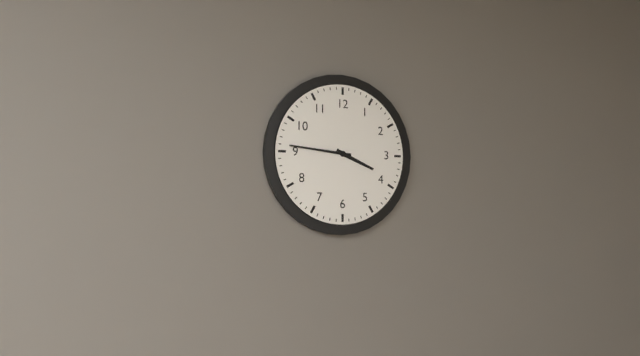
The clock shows 3:46
